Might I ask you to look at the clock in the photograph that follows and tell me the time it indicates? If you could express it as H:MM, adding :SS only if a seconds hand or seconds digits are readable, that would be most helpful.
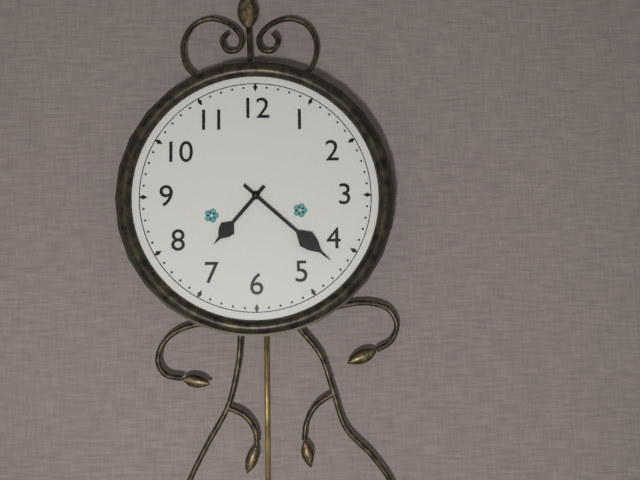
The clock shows 7:22
